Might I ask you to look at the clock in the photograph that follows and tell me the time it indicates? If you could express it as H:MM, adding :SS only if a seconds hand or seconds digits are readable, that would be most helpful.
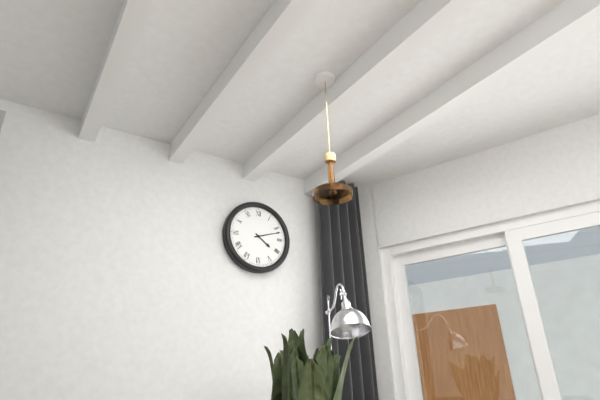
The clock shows 4:12
